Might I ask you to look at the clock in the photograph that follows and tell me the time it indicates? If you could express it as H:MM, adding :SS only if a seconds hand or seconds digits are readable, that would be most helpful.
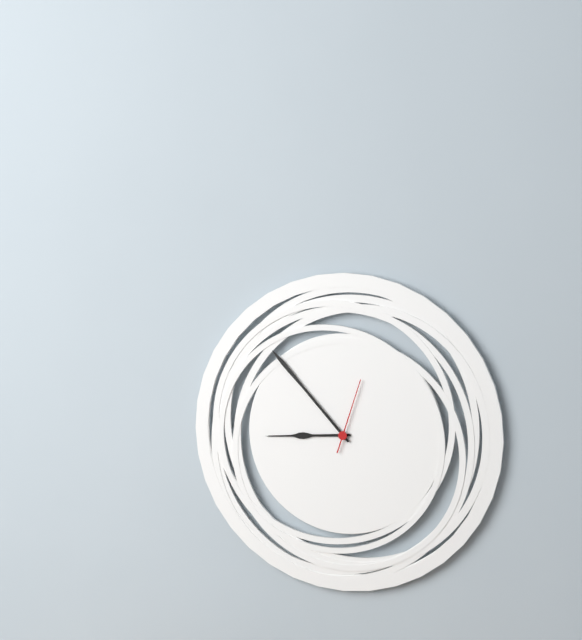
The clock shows 8:53:03
